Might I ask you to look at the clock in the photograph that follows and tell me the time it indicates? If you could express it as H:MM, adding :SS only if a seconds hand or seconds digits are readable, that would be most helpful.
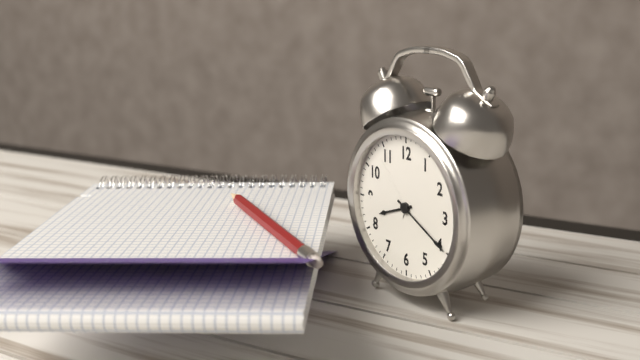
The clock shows 8:20
